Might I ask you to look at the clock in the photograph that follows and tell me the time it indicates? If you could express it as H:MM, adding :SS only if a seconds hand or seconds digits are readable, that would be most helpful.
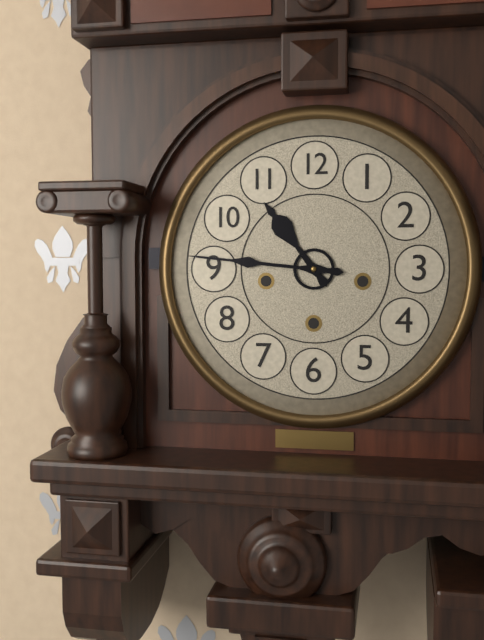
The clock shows 10:46
